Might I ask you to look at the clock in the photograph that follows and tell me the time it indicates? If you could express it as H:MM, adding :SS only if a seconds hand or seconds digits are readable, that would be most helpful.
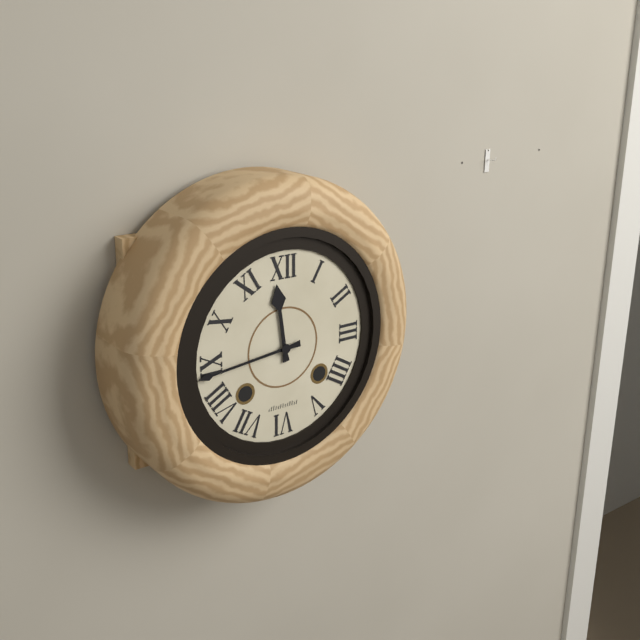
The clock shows 11:44
